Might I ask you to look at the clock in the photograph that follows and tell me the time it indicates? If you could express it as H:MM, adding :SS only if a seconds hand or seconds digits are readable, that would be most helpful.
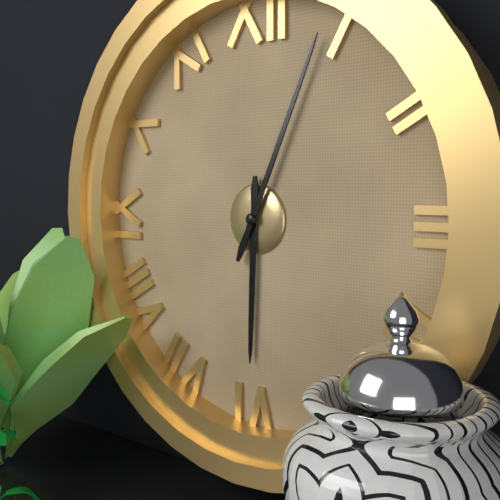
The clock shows 6:04
